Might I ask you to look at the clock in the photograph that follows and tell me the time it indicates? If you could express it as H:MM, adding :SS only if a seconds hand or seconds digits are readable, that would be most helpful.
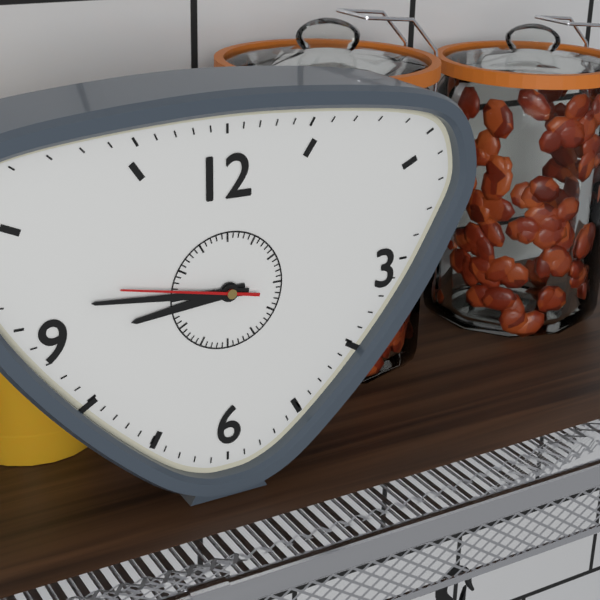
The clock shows 8:46:47
